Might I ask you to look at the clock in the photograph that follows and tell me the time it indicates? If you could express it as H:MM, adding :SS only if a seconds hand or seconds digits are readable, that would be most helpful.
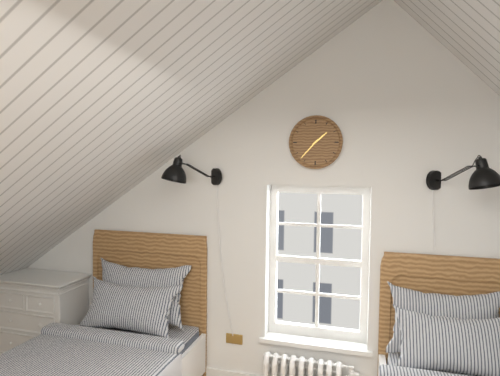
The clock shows 1:37
